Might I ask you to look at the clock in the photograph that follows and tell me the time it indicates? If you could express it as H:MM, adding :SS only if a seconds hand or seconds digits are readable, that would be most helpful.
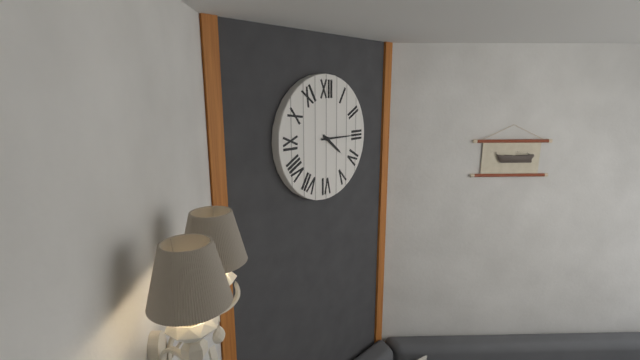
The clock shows 4:15
